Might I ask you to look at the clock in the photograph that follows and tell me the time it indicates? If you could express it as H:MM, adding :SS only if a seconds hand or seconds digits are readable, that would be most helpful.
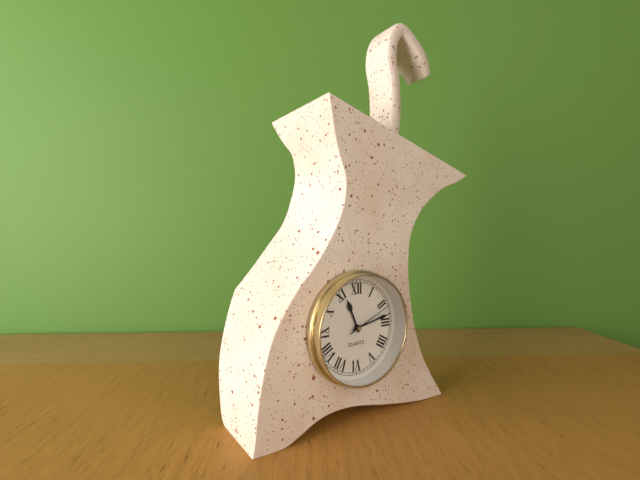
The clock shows 11:13:11
